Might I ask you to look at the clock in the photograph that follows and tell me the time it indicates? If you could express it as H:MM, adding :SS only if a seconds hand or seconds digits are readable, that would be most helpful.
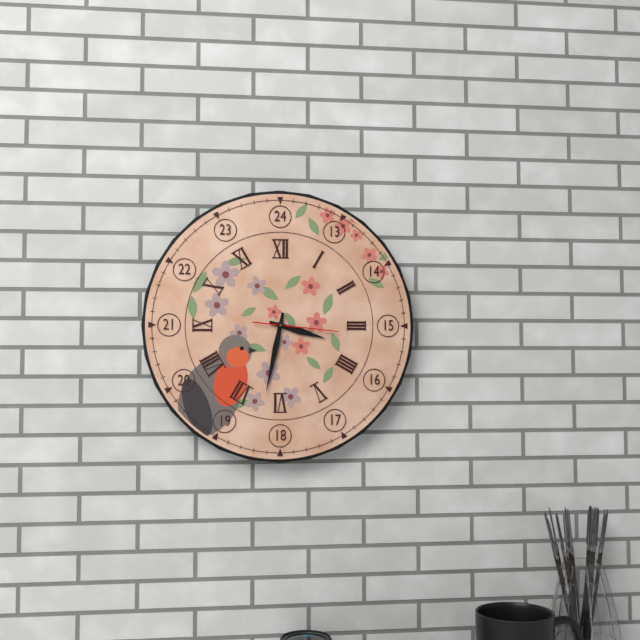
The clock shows 3:32:16
